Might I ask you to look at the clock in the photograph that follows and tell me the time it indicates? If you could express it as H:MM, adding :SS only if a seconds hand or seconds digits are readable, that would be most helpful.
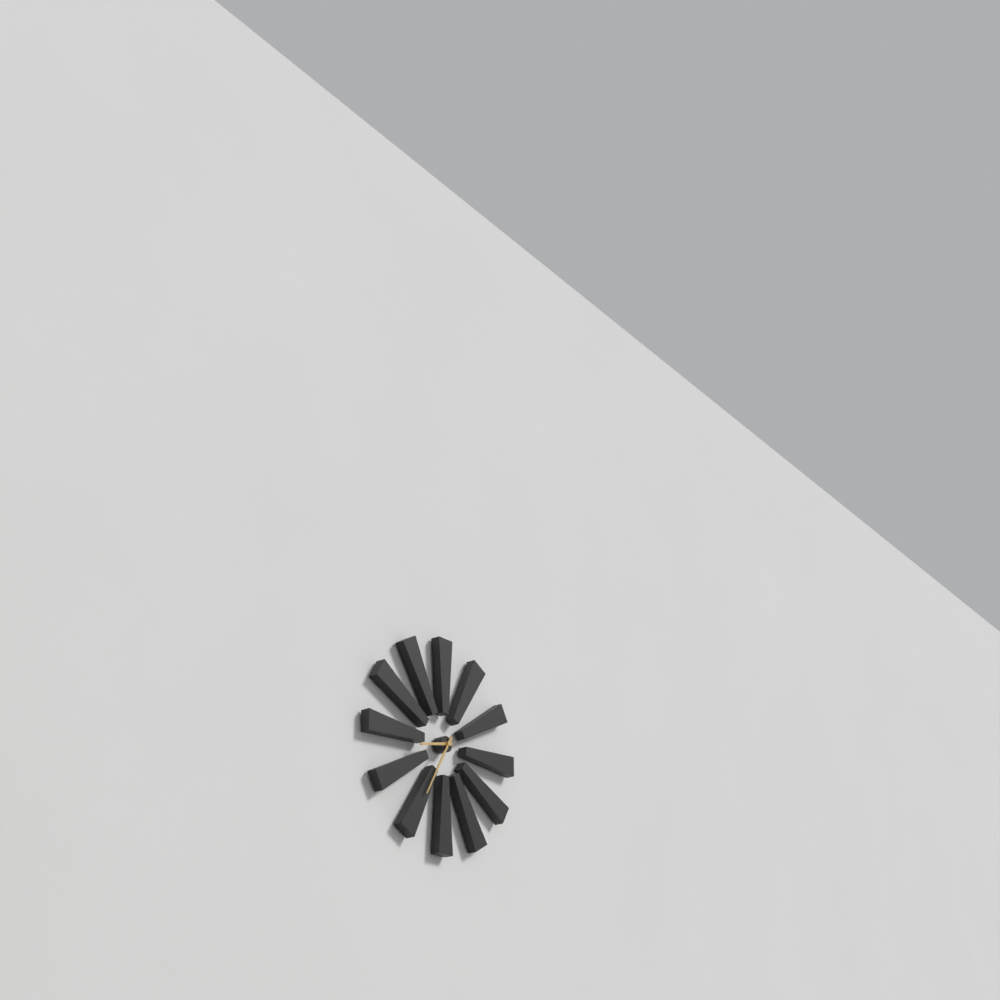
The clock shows 8:35
